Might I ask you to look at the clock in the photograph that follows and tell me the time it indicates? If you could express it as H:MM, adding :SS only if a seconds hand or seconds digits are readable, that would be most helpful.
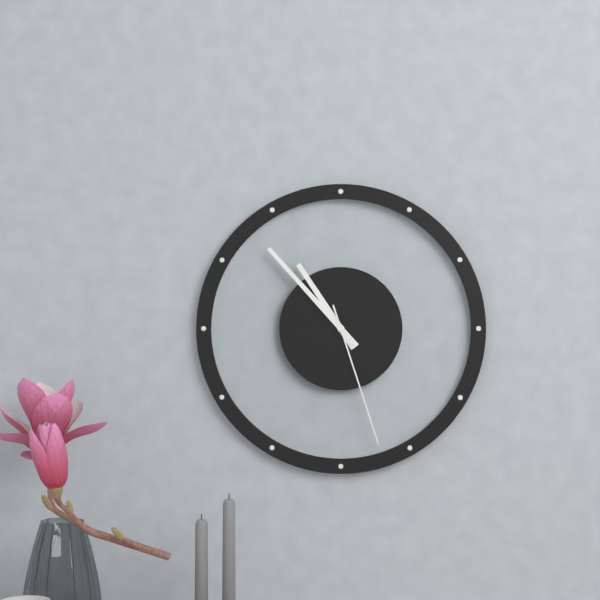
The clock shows 10:53:27
